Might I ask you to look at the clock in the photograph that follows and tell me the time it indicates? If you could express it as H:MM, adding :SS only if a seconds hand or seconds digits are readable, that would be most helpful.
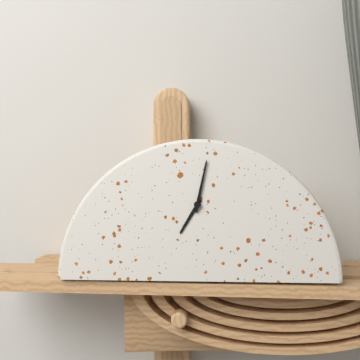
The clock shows 7:02
